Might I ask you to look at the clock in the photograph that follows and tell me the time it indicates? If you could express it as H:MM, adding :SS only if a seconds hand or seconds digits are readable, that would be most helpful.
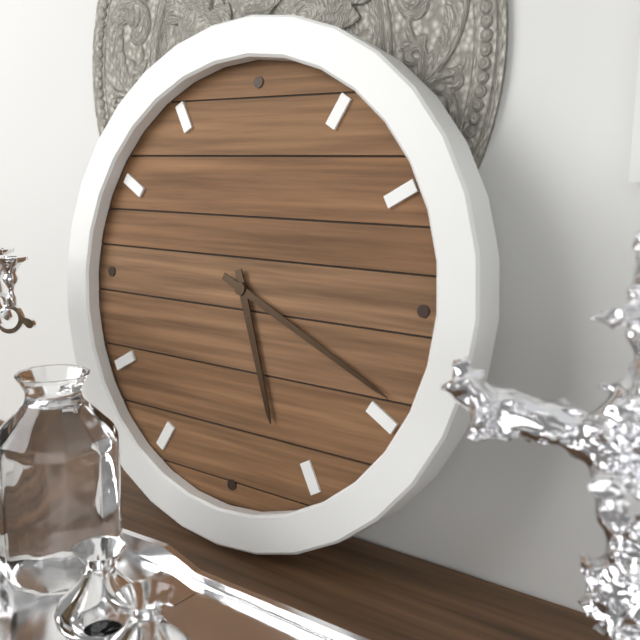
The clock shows 5:19
